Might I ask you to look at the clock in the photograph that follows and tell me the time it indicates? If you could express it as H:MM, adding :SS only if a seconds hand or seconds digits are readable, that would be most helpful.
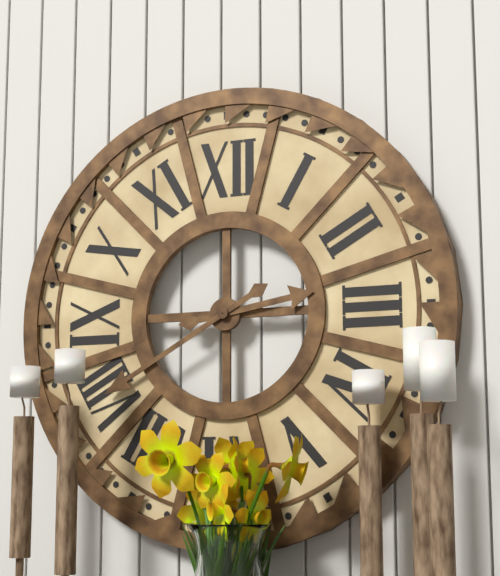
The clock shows 2:40
